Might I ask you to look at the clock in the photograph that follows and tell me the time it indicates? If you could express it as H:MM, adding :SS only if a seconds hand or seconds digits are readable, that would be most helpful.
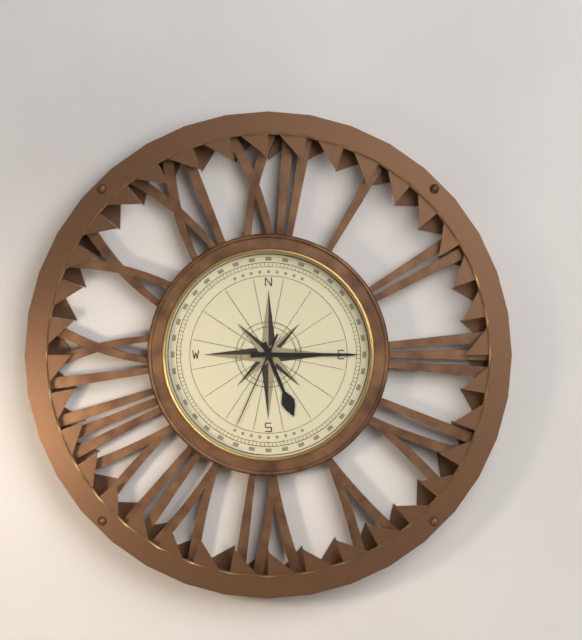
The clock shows 5:15:34
